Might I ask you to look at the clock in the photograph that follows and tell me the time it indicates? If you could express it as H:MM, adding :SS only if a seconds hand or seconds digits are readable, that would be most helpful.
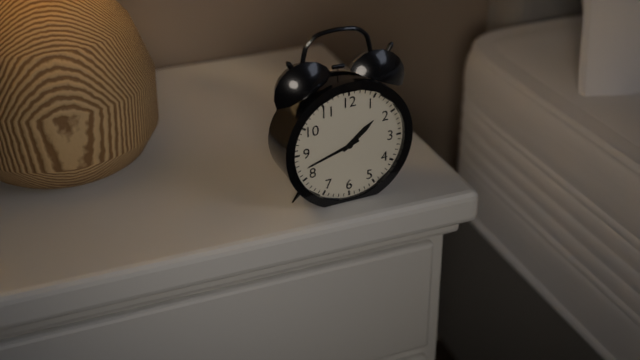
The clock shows 1:42
